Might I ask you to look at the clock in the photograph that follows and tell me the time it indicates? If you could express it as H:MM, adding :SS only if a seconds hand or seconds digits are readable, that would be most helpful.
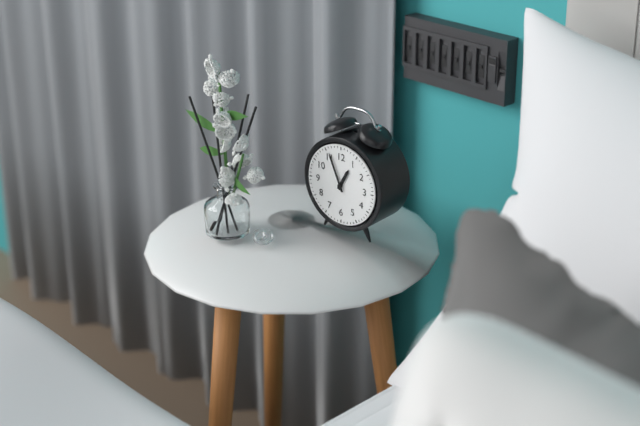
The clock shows 12:56
